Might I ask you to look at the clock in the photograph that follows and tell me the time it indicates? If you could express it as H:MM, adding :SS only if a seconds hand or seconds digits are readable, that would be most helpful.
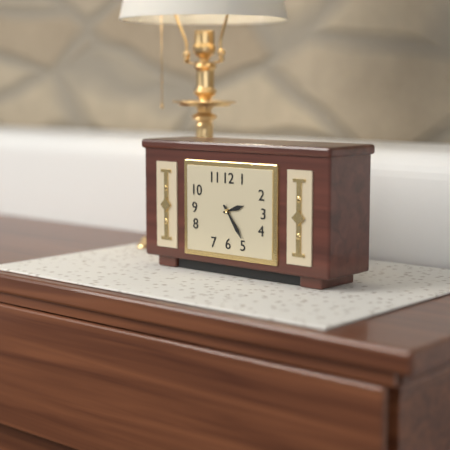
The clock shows 2:24
